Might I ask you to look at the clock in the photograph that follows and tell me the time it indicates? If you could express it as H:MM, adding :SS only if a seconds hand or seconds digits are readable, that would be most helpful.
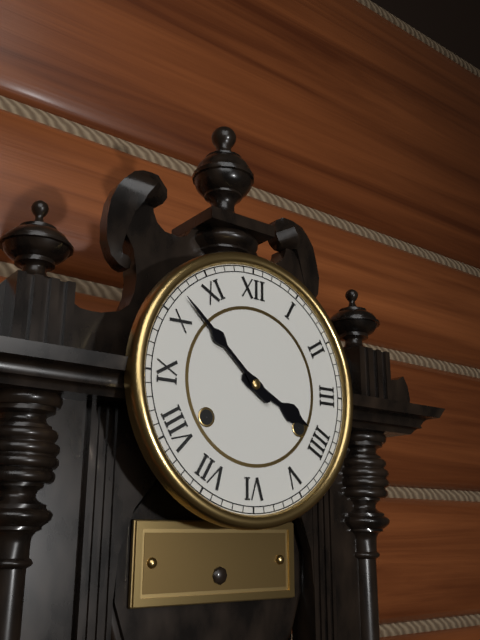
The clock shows 3:52
